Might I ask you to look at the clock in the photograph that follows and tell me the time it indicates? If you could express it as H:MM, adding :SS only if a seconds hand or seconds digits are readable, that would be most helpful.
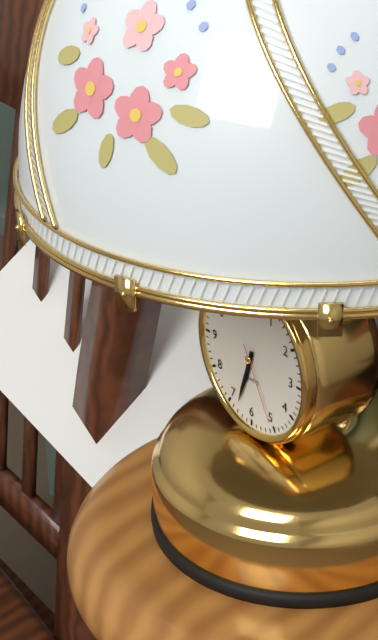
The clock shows 6:33:25
